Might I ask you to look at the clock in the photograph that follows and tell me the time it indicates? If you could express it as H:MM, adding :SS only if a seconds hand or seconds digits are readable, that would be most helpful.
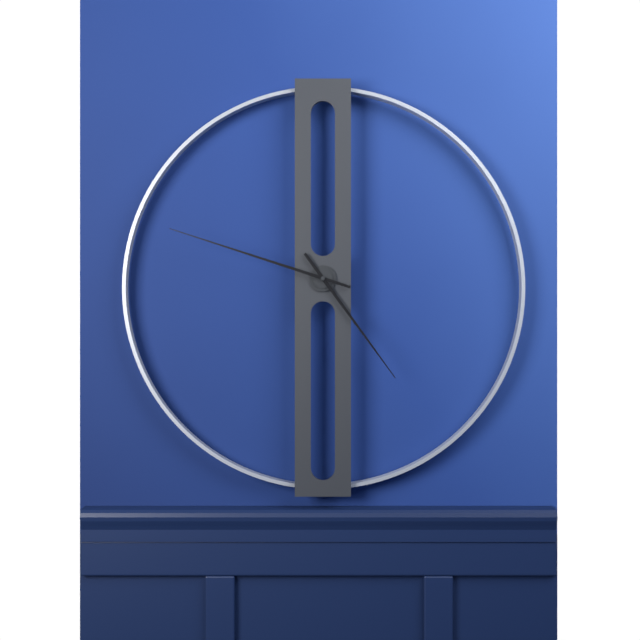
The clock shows 4:48
